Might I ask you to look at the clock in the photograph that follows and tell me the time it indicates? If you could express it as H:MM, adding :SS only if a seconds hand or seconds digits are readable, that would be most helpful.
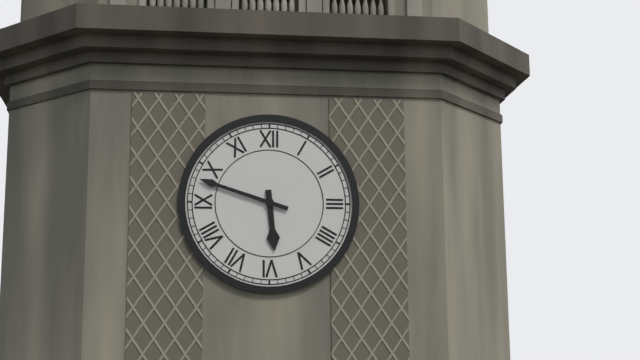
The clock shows 5:48
